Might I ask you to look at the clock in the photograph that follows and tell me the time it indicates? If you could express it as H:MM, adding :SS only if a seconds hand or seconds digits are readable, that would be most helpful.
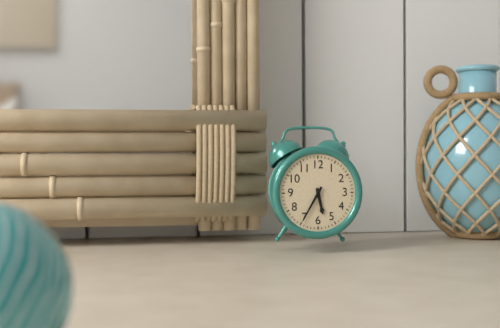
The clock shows 5:35
